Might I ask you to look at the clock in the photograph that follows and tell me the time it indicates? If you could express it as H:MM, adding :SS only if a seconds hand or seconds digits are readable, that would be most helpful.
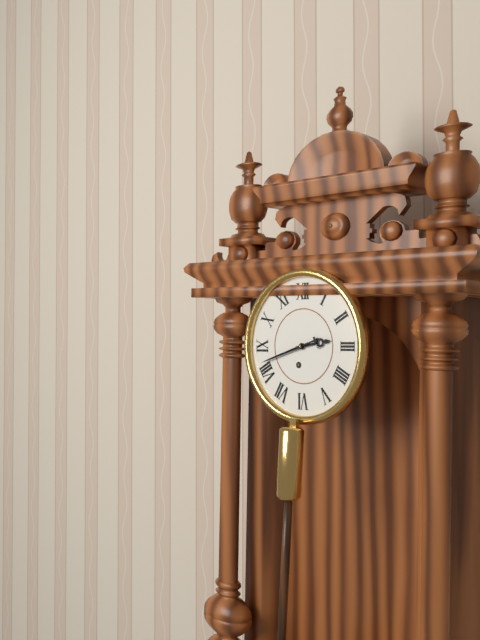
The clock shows 2:42
